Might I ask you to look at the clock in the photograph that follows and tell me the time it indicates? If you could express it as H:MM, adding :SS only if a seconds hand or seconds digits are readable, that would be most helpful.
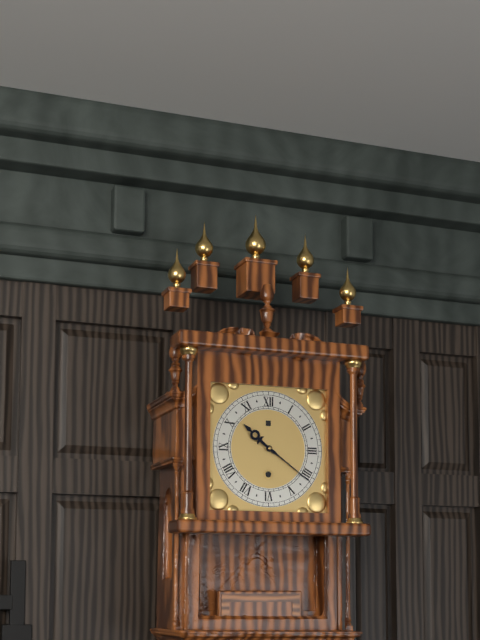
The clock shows 10:21
